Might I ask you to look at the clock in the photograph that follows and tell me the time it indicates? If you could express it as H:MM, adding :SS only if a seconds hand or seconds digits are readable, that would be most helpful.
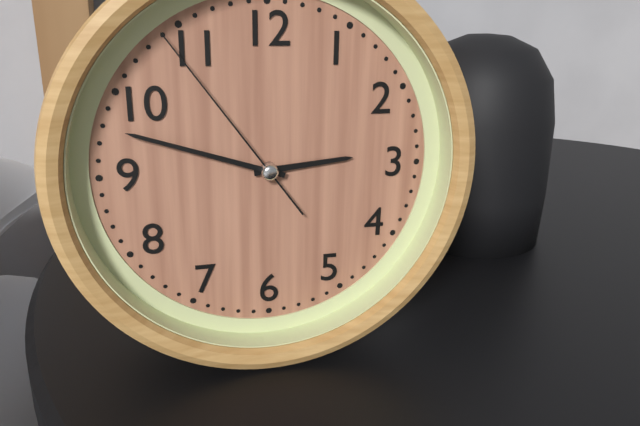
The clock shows 2:48:54
